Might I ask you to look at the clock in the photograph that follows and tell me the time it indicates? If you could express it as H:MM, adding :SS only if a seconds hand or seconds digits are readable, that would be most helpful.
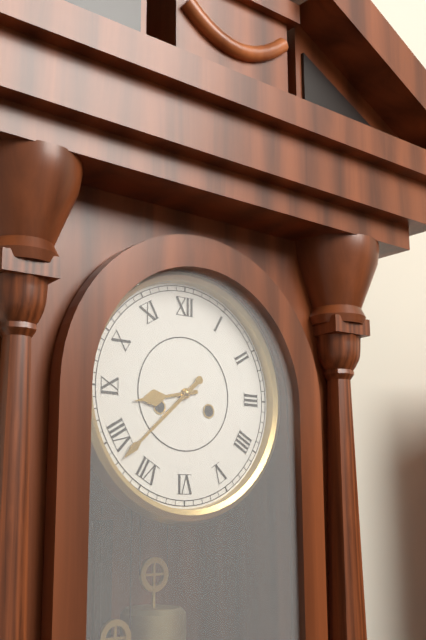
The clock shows 8:38
